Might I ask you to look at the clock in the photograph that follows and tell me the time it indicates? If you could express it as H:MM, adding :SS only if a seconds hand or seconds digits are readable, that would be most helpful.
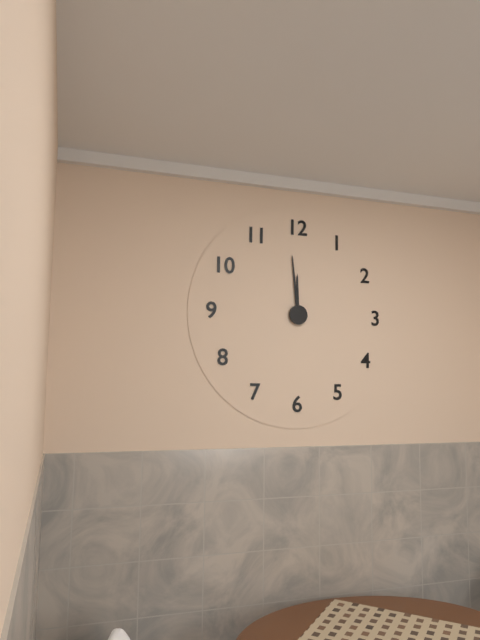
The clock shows 11:59
